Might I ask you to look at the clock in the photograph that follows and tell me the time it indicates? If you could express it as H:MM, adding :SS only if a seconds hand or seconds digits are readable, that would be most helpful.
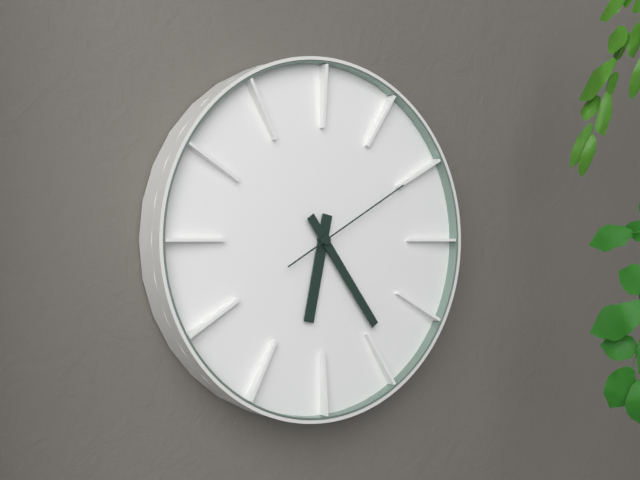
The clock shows 6:24:10
